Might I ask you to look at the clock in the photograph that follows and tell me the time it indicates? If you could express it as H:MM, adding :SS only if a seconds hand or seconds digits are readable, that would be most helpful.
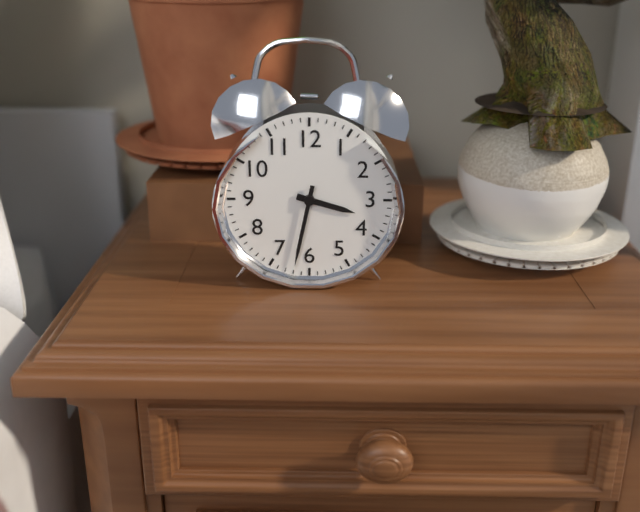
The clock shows 3:32
